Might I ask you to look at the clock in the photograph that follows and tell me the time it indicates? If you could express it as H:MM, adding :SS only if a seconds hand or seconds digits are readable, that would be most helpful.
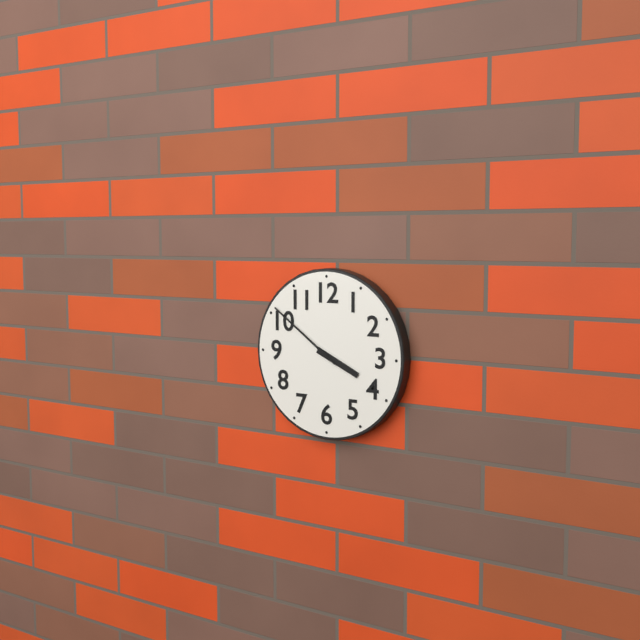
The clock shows 3:51
